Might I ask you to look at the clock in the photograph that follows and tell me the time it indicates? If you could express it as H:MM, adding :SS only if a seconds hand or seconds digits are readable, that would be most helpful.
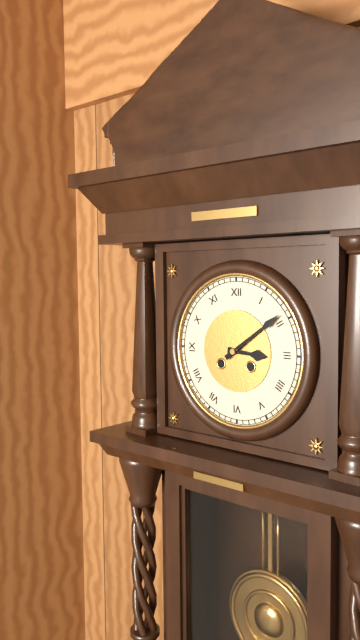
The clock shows 3:09
